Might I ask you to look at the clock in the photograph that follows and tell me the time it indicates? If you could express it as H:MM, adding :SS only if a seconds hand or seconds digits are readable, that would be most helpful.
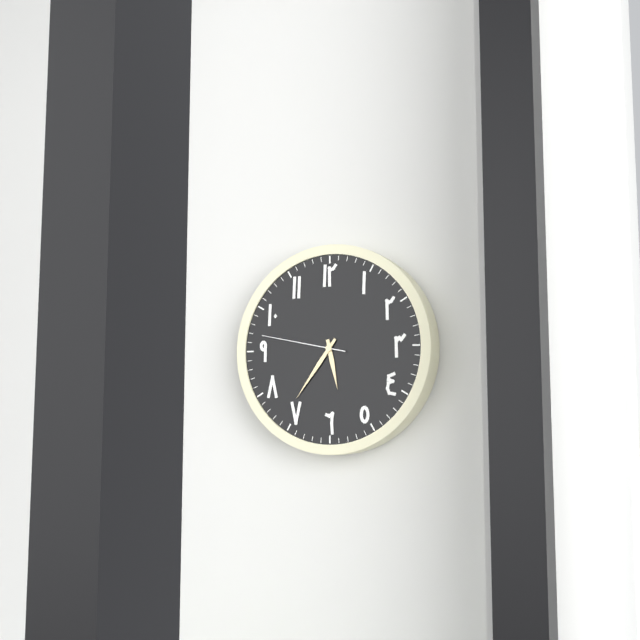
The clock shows 5:36:47
